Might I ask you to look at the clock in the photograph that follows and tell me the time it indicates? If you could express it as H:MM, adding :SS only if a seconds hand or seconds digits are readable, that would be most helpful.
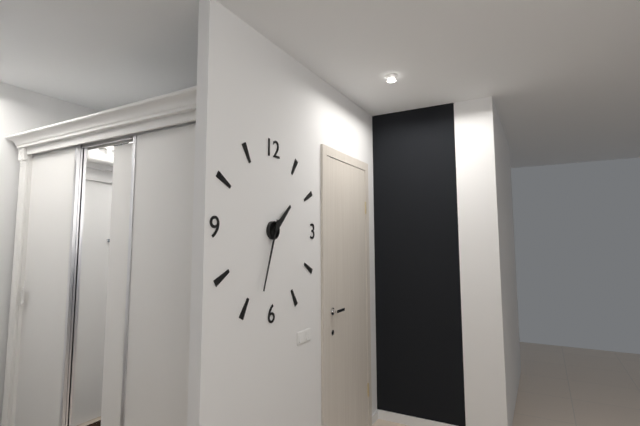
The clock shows 1:33
